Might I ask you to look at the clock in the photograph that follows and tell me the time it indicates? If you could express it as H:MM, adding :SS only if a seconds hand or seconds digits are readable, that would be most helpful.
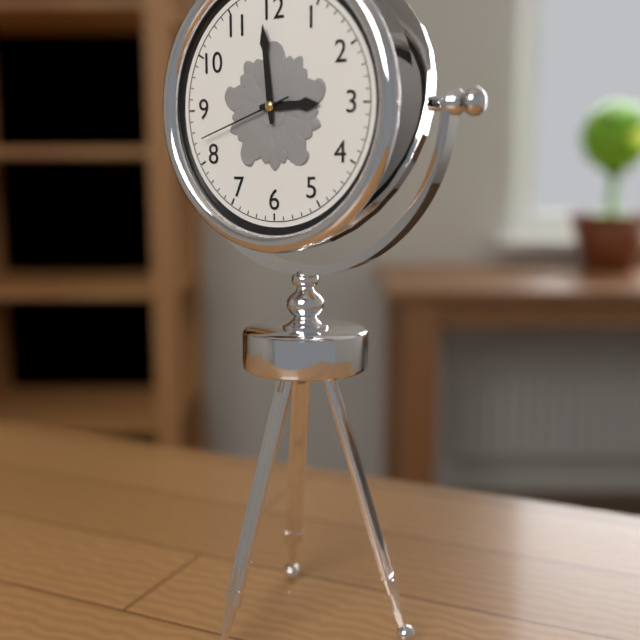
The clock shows 2:59:42
